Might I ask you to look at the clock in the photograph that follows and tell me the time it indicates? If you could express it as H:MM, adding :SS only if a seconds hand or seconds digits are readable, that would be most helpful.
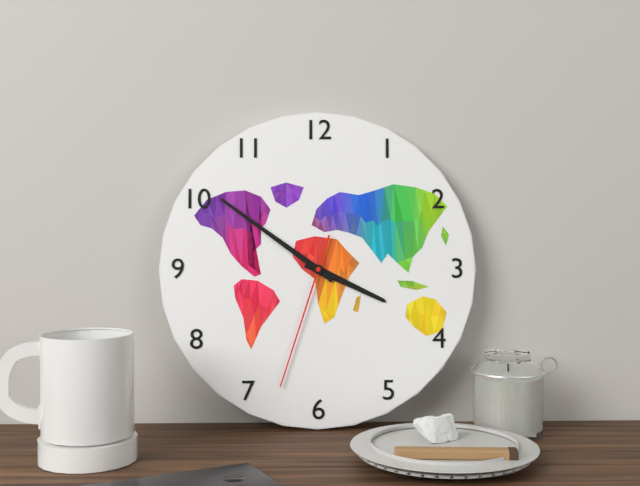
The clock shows 3:51:33
